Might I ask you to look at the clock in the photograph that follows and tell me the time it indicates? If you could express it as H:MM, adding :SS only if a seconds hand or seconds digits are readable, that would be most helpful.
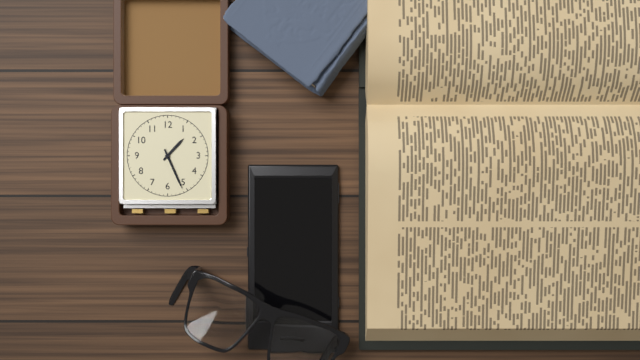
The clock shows 1:26
